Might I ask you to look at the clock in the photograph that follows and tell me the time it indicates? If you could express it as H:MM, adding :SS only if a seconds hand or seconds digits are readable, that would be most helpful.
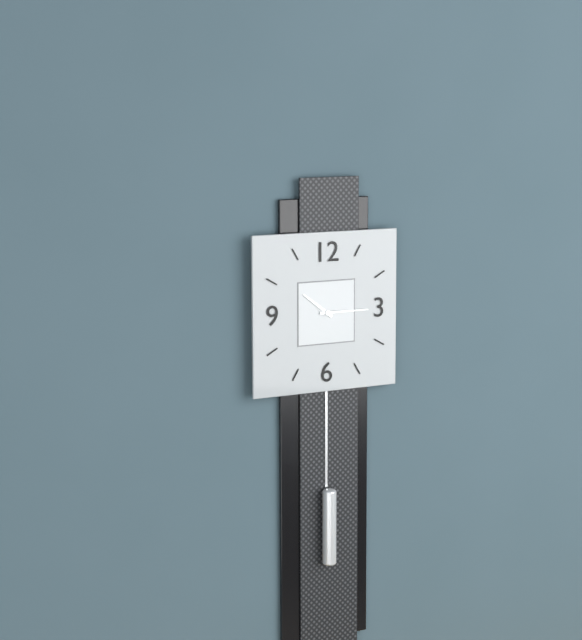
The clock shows 10:15
